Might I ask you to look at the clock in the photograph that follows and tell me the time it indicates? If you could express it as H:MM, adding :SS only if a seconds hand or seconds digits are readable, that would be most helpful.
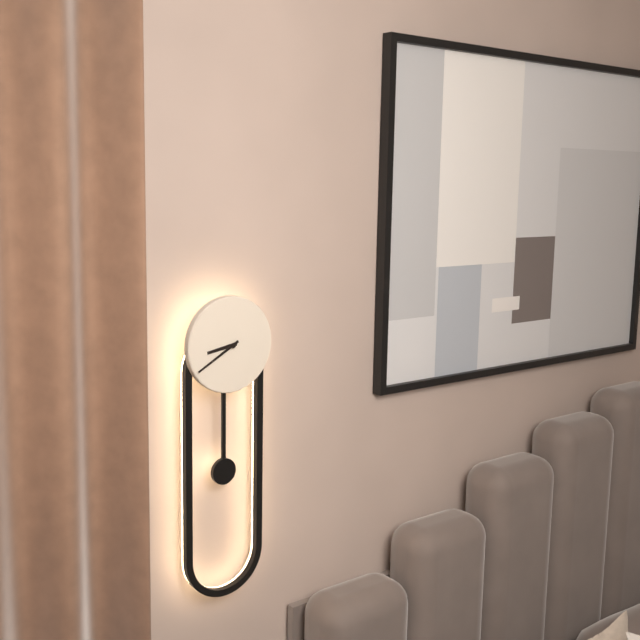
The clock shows 8:40
